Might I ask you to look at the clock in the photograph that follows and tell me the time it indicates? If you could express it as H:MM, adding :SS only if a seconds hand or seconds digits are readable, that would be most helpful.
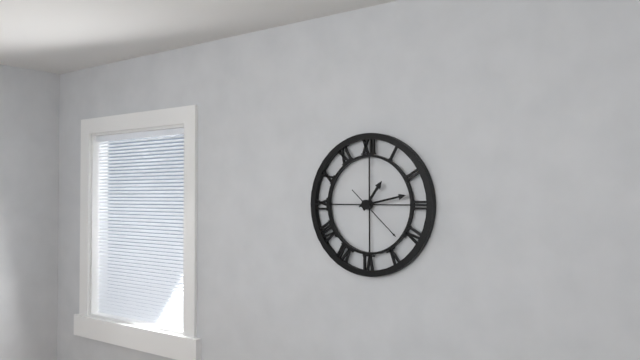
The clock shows 1:13:22
